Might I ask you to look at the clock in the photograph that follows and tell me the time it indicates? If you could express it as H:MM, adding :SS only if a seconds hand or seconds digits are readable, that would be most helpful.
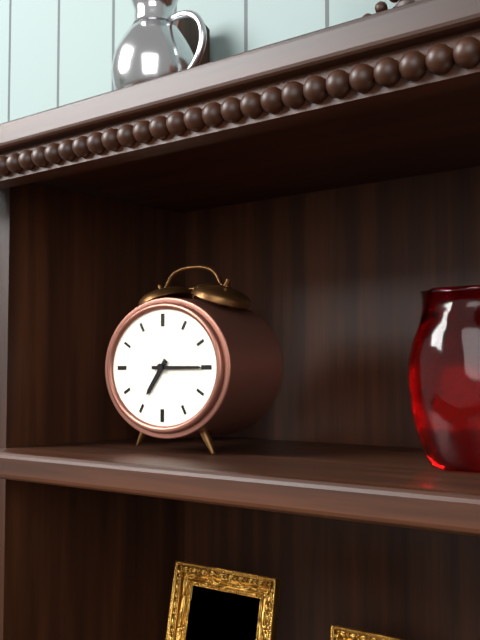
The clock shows 7:15
